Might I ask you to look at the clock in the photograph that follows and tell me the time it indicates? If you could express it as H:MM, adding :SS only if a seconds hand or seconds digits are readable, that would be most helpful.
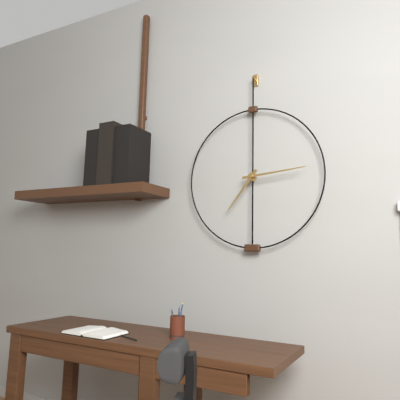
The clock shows 7:14
